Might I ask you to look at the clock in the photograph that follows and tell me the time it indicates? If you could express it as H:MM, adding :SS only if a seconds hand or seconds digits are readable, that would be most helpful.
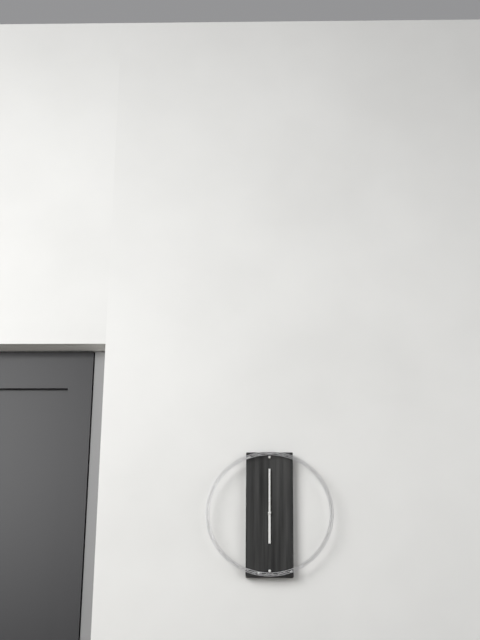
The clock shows 6:00
